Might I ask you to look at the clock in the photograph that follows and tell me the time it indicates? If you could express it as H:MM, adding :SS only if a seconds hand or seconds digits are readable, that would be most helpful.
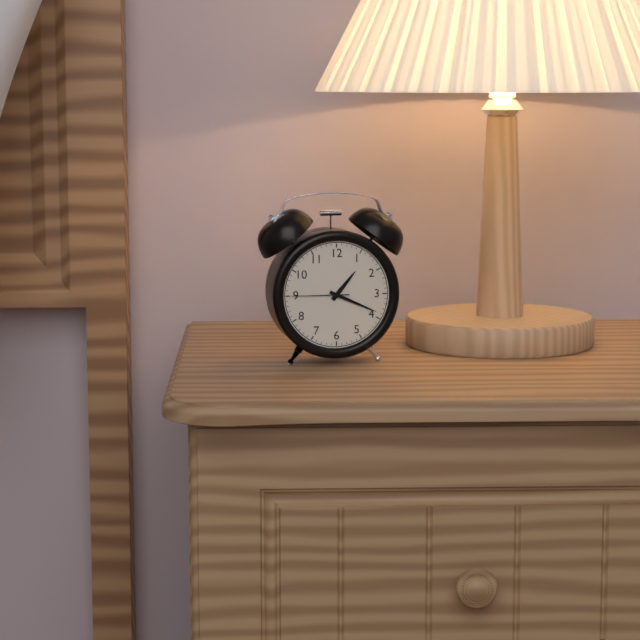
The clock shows 1:19:45
